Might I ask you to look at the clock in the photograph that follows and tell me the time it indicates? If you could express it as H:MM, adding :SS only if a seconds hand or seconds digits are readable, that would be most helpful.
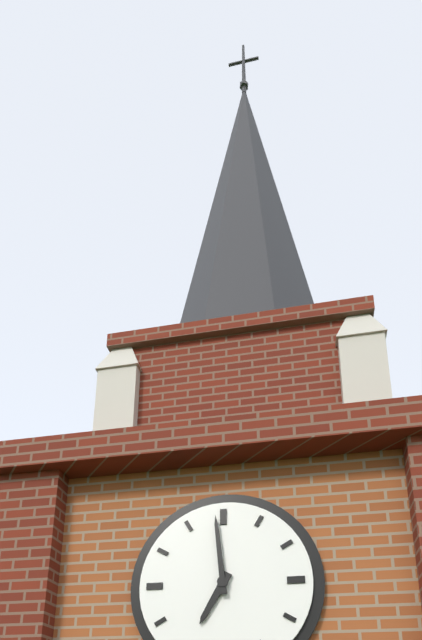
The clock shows 6:59
